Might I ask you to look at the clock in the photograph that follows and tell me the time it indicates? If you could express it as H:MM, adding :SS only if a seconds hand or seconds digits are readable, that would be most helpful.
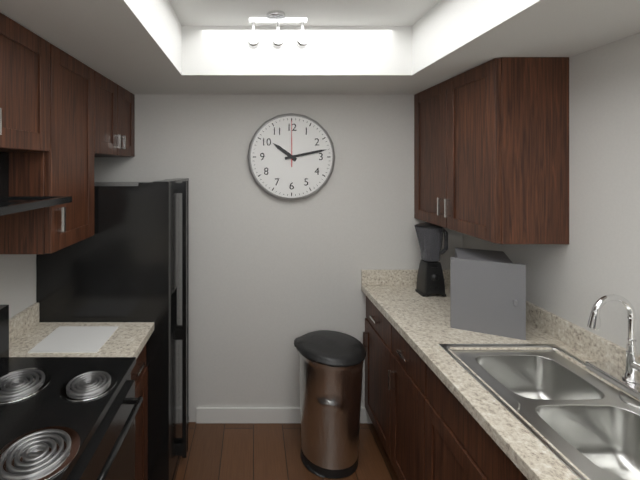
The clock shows 10:13
